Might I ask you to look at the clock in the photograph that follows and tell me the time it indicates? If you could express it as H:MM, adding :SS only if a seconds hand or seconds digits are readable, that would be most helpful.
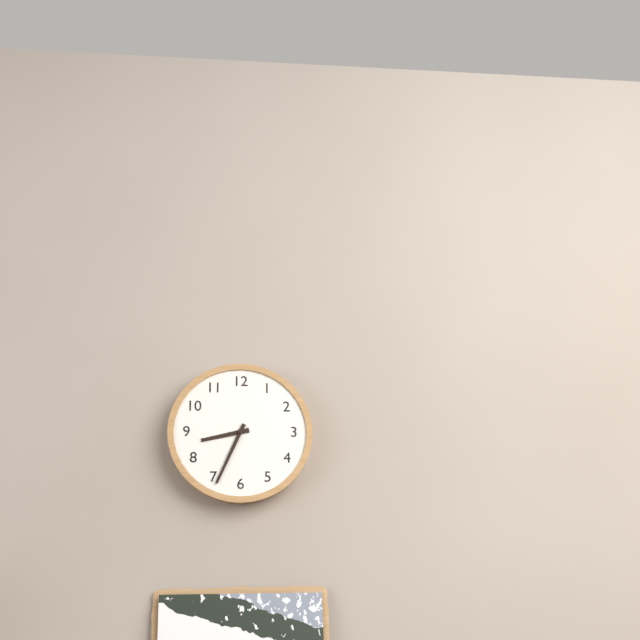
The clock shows 8:34
